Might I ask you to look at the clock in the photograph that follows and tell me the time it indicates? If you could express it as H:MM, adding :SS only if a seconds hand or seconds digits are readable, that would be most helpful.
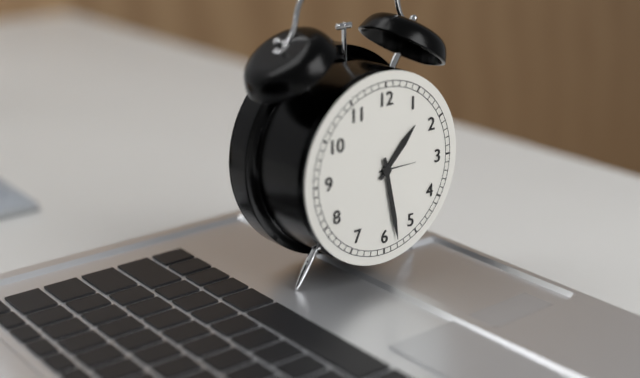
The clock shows 1:28
